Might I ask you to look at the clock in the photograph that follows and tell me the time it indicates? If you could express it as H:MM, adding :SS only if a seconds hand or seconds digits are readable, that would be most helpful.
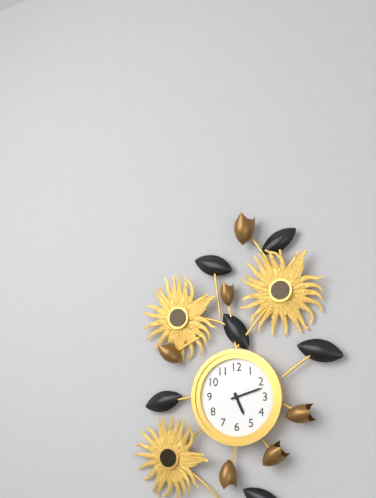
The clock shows 5:12
